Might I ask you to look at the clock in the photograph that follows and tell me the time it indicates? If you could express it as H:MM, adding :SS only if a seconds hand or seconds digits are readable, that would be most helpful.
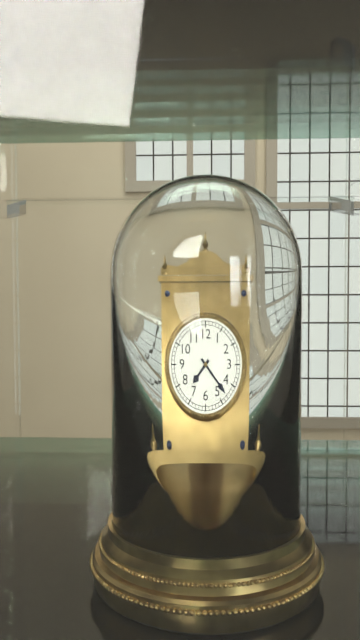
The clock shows 7:23
